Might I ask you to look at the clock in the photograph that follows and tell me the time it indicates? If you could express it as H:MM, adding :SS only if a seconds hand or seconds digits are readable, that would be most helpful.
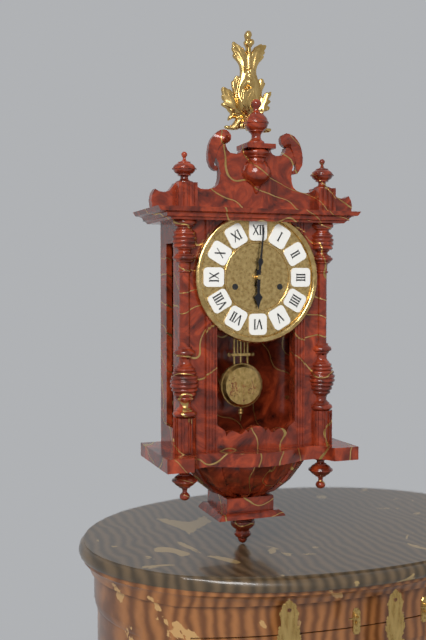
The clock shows 6:01
